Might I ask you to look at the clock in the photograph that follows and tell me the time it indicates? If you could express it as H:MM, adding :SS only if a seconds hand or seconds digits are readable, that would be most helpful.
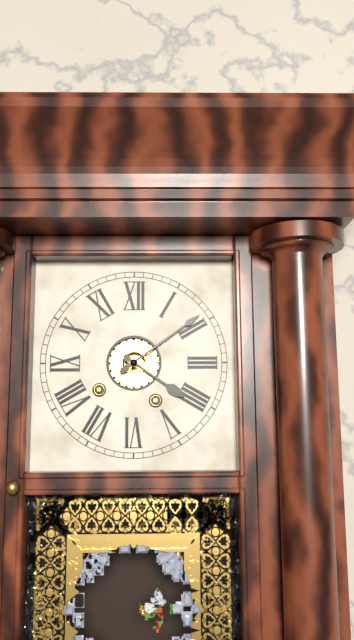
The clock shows 4:09
